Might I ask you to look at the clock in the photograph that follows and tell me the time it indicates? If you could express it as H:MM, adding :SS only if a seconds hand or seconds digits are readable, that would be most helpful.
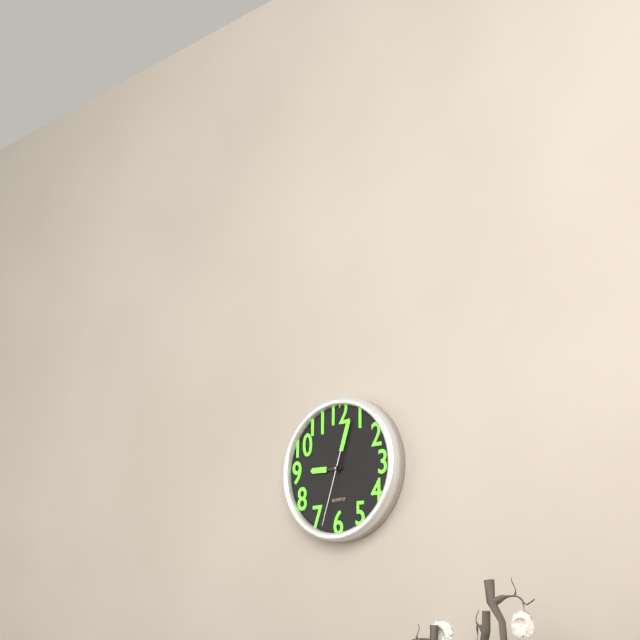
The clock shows 9:03:33
